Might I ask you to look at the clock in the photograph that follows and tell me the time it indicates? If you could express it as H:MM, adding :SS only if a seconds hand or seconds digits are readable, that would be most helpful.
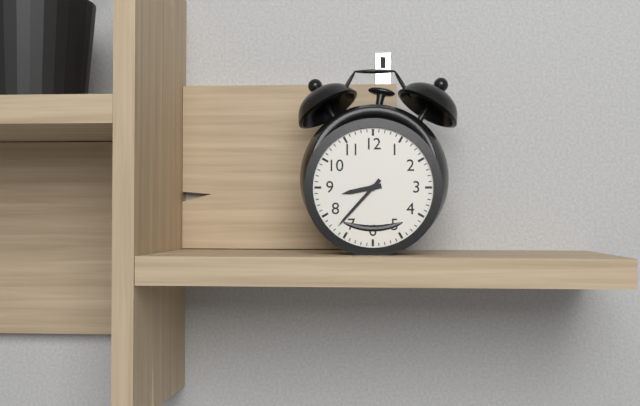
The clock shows 8:37
